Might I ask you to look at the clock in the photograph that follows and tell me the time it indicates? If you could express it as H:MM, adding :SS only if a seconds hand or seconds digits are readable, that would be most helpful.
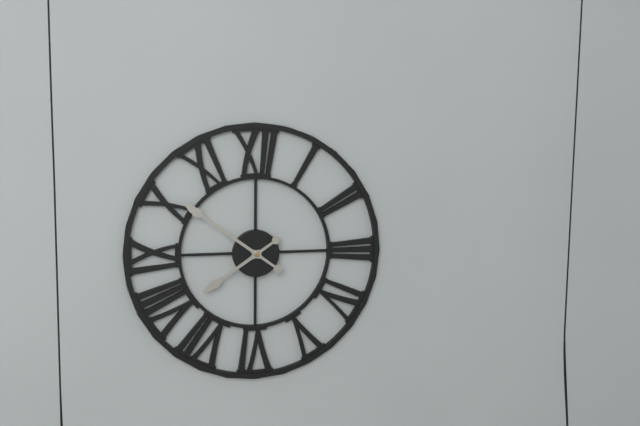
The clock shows 7:51
